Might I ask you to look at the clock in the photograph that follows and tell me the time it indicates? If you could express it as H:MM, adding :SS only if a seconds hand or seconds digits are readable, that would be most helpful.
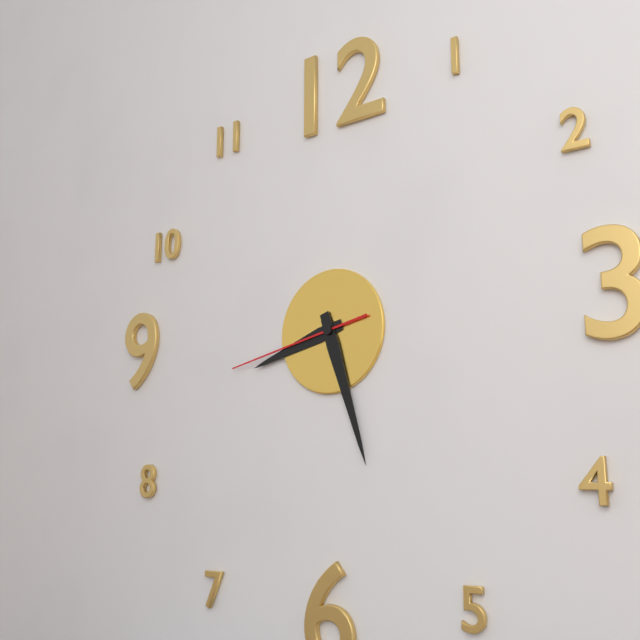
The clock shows 8:27:43
